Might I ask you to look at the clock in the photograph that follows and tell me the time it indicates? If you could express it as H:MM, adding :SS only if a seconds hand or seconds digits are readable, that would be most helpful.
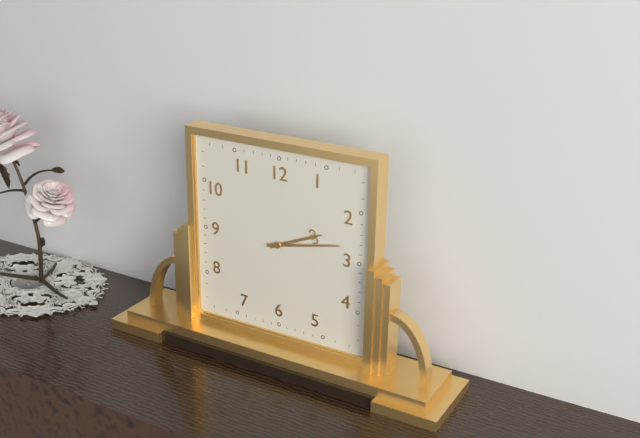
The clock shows 2:13
